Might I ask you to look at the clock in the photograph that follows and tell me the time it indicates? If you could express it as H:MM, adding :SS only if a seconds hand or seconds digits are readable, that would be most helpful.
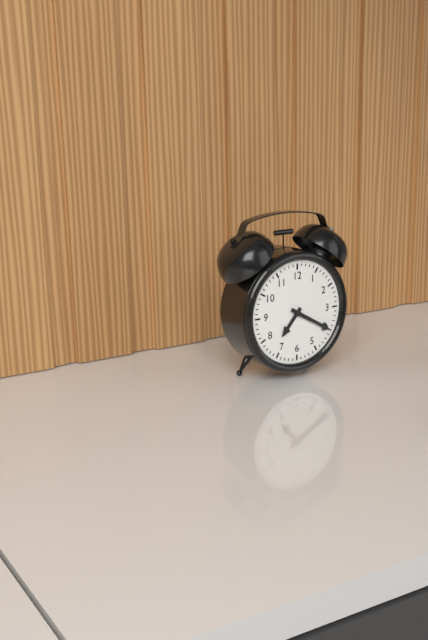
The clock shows 7:20
